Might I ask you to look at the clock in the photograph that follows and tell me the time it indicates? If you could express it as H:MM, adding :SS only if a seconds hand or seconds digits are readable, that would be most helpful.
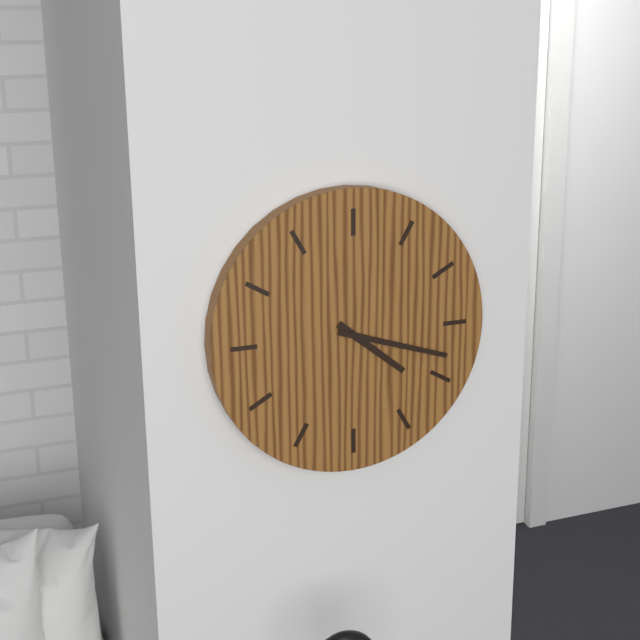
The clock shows 4:18
